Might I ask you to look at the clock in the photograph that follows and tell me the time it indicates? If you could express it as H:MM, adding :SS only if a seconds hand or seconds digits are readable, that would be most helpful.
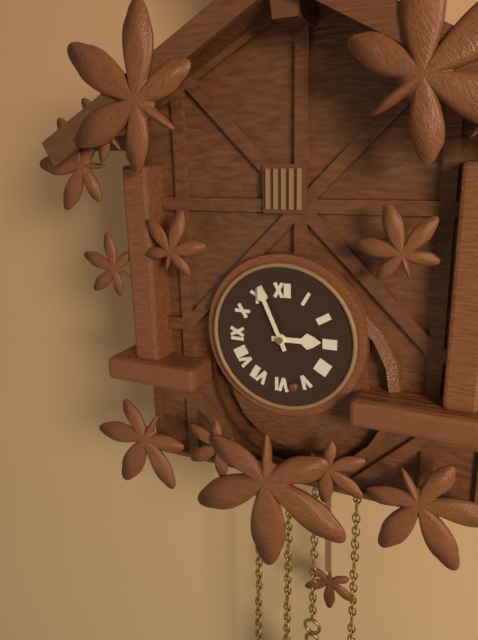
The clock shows 2:56
